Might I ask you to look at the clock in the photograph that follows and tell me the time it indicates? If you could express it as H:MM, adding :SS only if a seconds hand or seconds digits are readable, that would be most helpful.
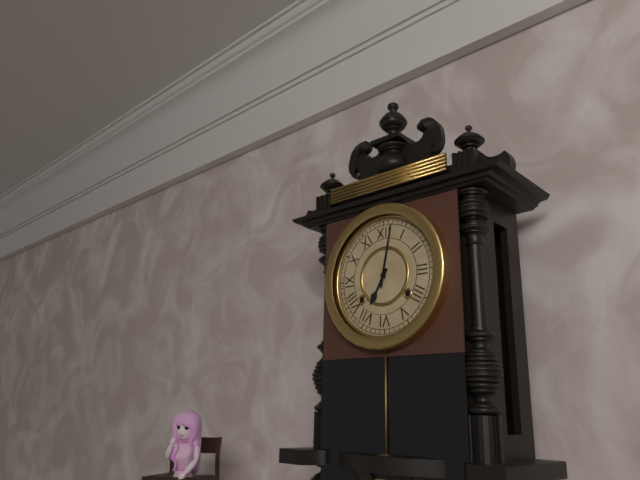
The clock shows 7:02
